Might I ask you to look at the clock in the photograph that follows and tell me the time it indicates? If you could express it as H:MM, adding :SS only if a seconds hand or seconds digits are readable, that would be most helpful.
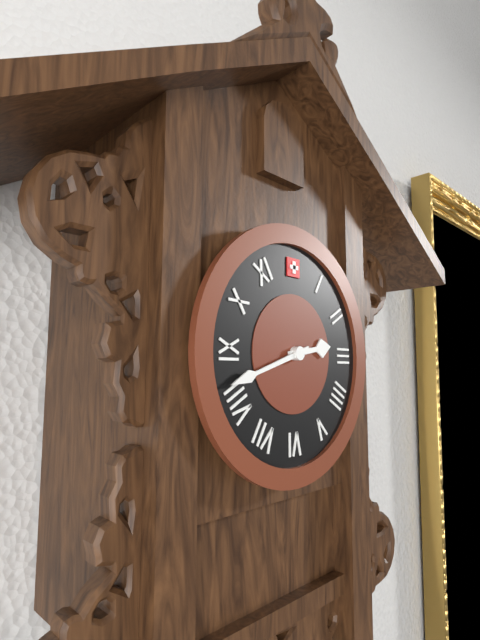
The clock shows 2:42
